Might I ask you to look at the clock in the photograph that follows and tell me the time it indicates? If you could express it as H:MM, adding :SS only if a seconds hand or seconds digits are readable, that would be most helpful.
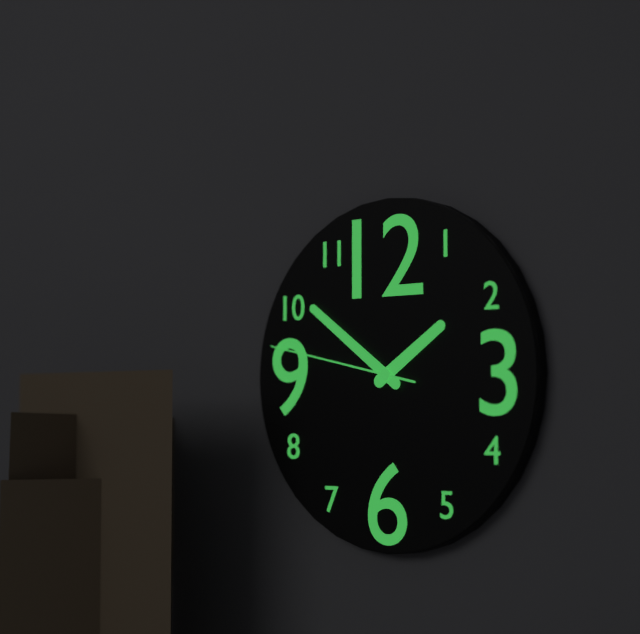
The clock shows 1:51:47
